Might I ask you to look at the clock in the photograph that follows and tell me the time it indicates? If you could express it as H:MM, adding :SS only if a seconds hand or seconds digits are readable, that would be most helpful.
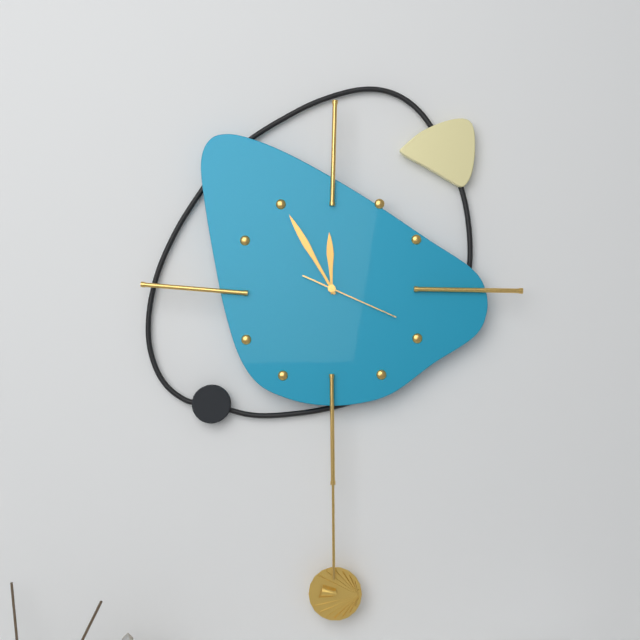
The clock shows 11:55:19
